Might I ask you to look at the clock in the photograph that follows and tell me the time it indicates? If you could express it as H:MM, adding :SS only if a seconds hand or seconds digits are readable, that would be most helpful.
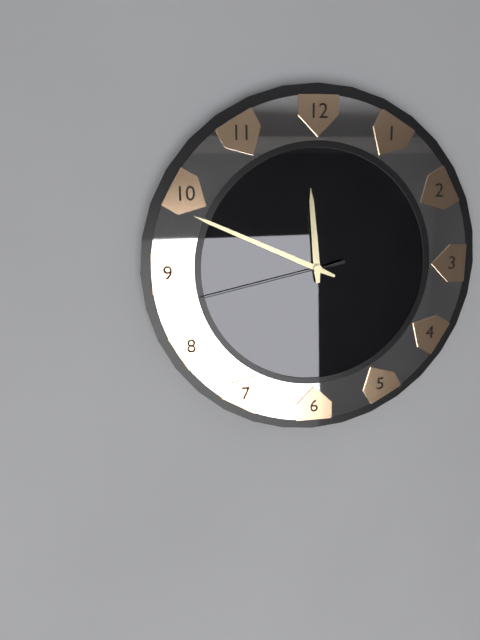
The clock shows 11:49:43
